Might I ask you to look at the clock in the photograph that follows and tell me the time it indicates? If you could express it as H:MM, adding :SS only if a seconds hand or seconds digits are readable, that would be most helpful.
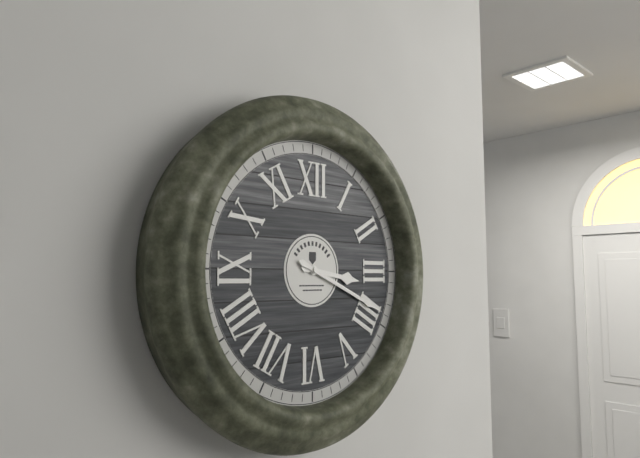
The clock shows 3:19
